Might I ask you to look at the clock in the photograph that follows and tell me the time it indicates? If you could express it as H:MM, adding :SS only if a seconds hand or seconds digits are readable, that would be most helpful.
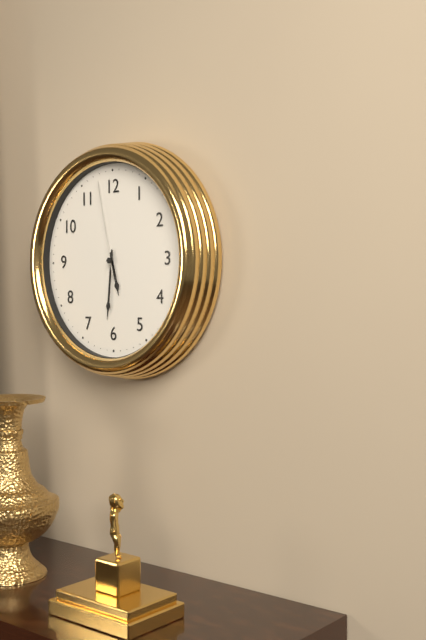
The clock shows 5:31:58
